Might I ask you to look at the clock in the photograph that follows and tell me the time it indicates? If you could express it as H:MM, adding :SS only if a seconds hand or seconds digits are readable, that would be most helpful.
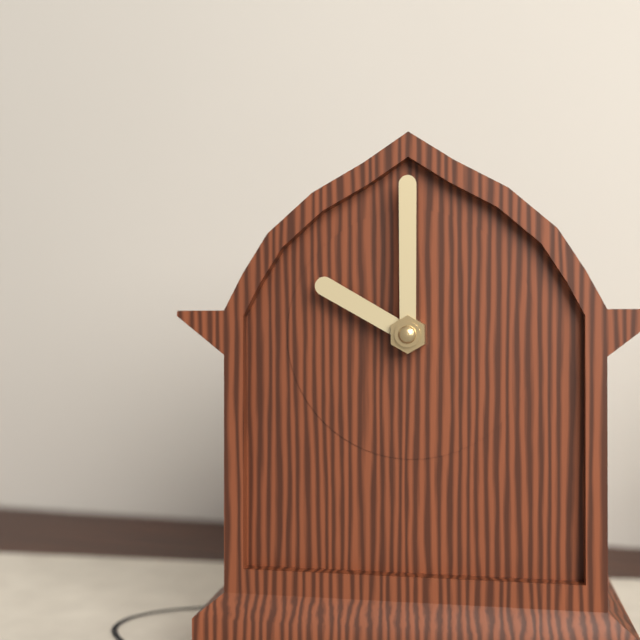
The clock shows 10:00
